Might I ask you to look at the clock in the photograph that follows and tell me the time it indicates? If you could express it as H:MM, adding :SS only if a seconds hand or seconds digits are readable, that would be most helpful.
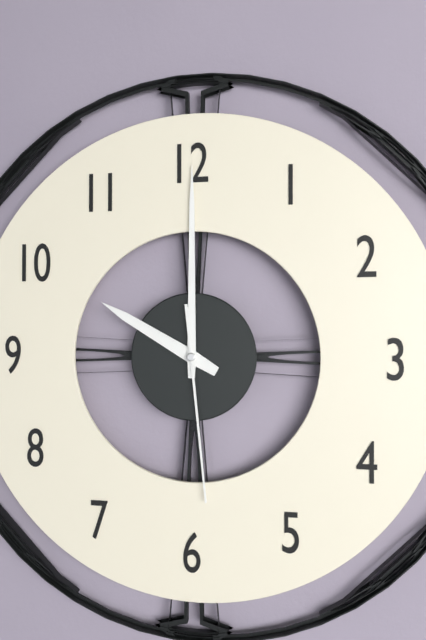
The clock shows 10:00:29
